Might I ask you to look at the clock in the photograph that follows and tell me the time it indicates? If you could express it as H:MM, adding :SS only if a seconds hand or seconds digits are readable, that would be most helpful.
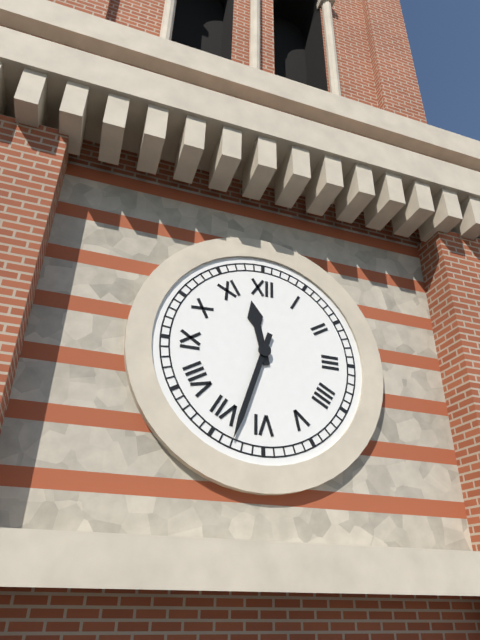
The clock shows 11:33
